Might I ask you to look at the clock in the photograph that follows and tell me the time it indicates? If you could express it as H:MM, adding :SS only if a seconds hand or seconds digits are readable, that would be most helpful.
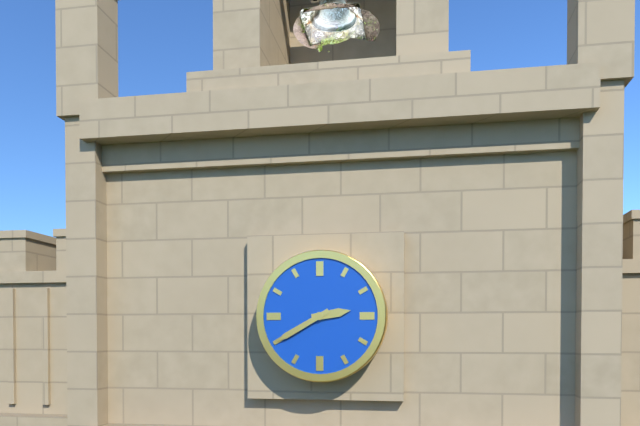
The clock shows 2:40
